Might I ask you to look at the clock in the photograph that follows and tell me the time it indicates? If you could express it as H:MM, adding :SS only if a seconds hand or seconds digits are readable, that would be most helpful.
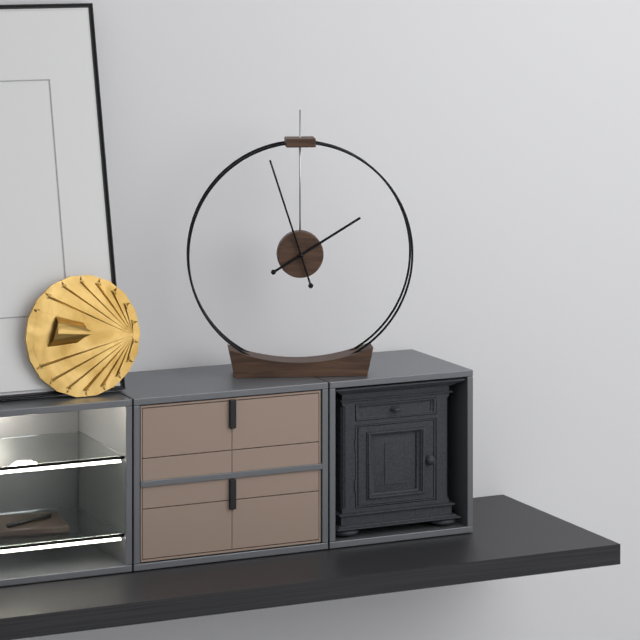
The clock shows 1:57
